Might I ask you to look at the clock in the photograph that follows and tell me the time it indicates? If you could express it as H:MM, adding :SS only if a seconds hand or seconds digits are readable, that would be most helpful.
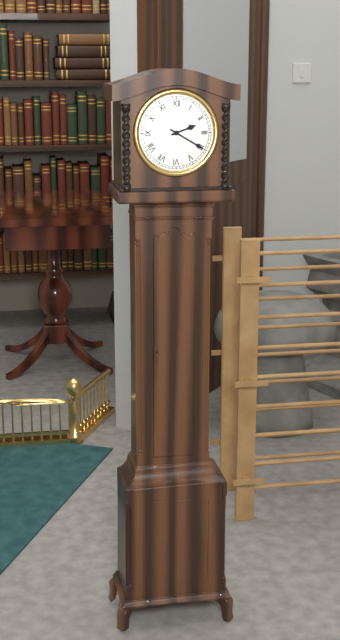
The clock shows 2:20
